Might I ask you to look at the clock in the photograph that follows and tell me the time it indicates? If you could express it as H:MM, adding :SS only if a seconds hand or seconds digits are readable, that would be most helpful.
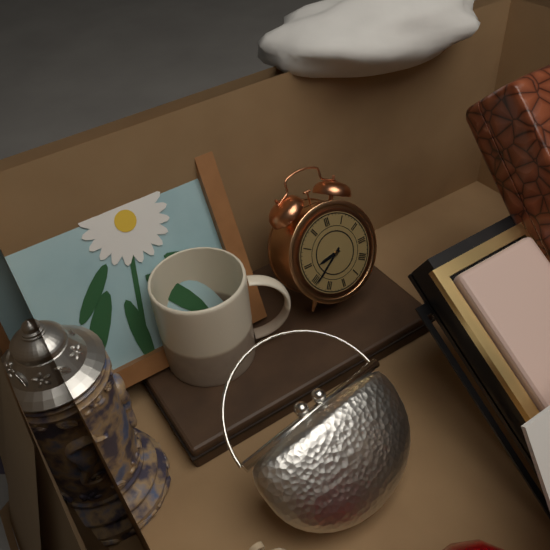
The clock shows 8:39
